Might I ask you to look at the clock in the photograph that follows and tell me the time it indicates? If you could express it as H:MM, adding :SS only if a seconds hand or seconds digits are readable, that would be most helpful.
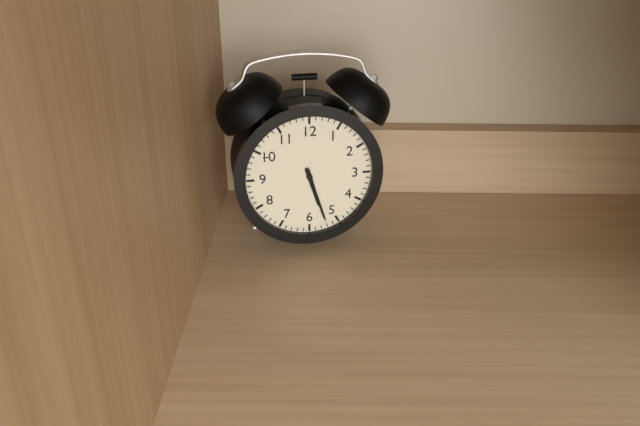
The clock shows 5:27
